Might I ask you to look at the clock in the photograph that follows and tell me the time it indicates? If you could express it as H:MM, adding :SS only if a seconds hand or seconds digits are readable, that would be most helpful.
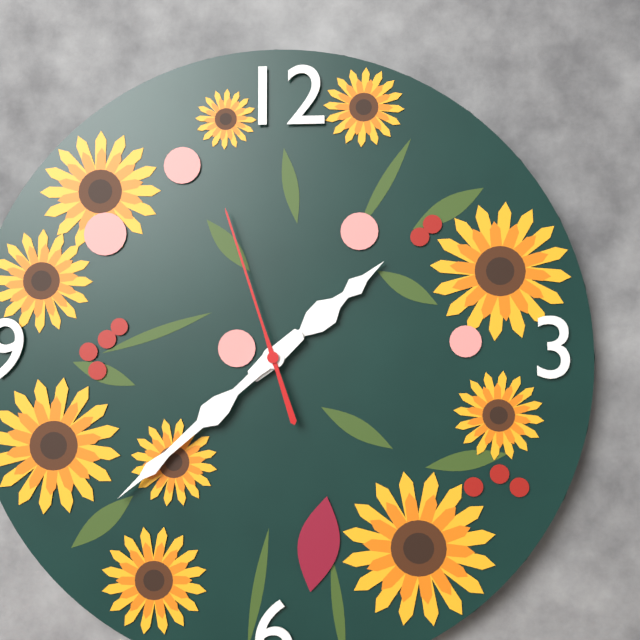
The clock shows 1:38:57
